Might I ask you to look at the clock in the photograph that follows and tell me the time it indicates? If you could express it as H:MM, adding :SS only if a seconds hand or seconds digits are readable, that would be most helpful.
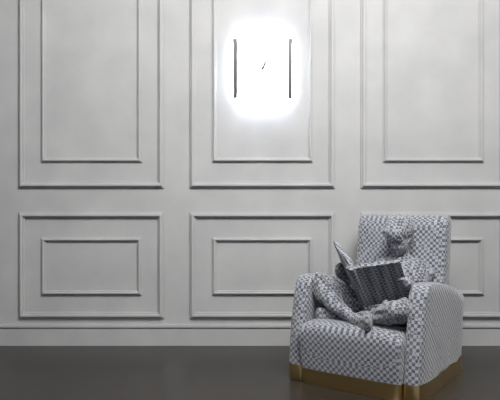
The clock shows 1:03
